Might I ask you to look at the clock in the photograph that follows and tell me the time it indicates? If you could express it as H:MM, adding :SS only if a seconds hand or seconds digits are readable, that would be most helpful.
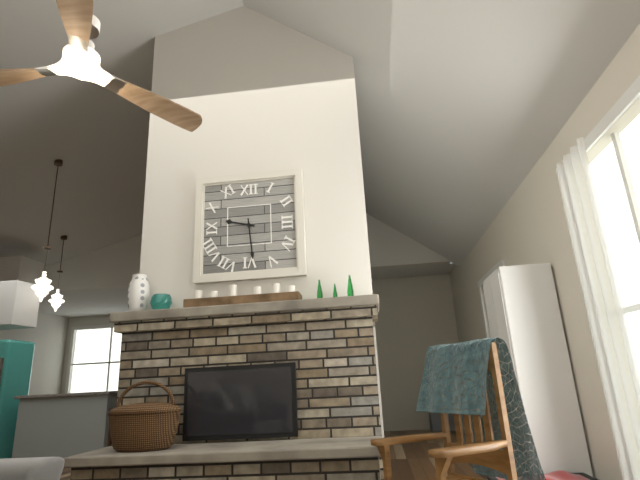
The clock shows 9:29
